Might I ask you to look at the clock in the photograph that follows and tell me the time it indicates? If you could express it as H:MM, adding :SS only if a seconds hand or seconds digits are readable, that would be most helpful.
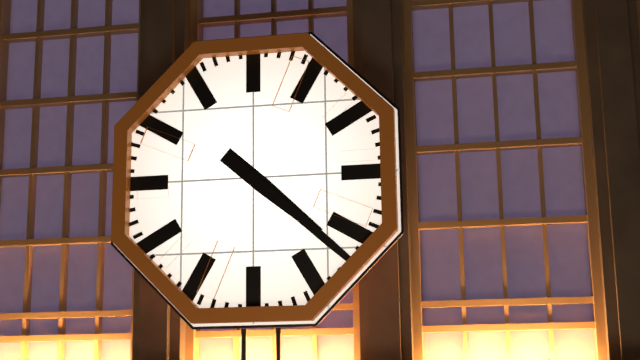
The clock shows 4:22
